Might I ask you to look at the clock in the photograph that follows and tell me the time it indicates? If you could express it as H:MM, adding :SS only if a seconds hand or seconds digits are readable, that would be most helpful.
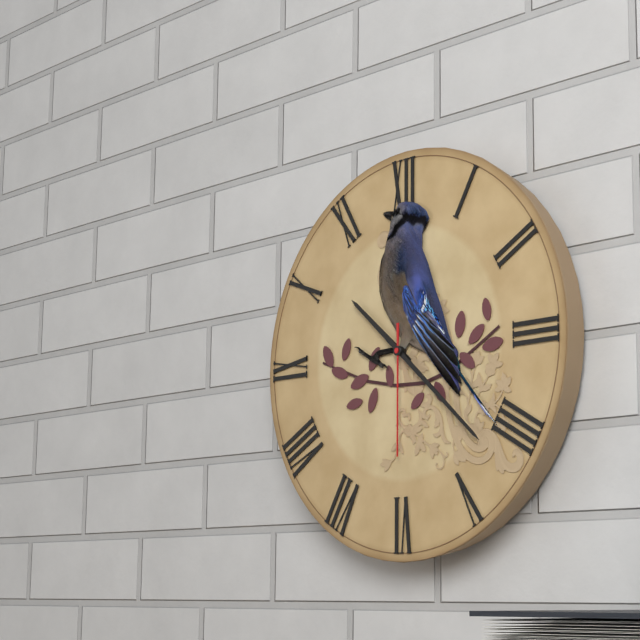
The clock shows 10:22:30
